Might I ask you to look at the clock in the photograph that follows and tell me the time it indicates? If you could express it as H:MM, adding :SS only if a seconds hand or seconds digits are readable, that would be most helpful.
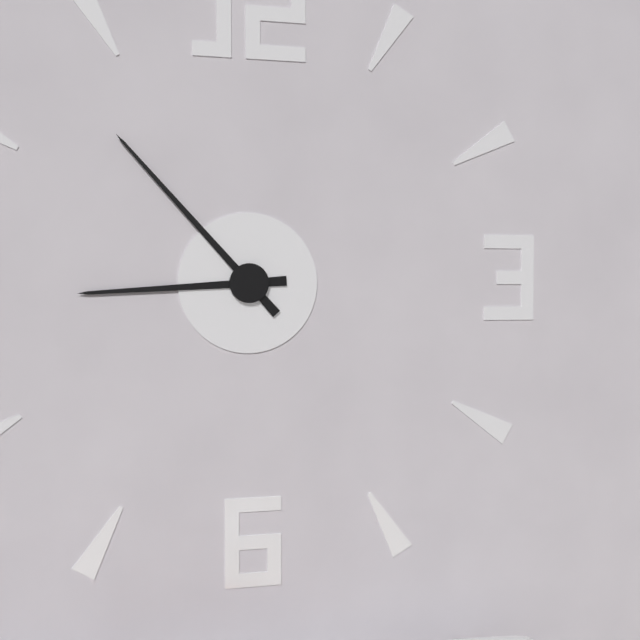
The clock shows 8:53
